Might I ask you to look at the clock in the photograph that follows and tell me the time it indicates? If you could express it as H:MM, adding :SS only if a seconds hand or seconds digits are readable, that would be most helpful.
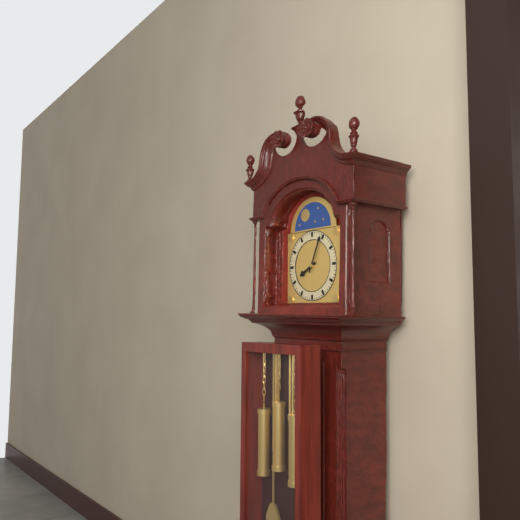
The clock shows 8:04
